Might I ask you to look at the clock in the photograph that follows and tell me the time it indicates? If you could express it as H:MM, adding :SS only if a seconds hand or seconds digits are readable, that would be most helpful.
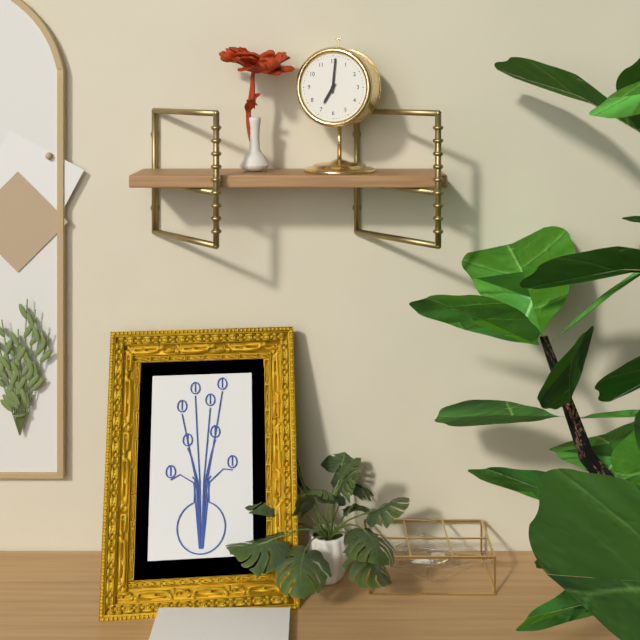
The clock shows 7:01
